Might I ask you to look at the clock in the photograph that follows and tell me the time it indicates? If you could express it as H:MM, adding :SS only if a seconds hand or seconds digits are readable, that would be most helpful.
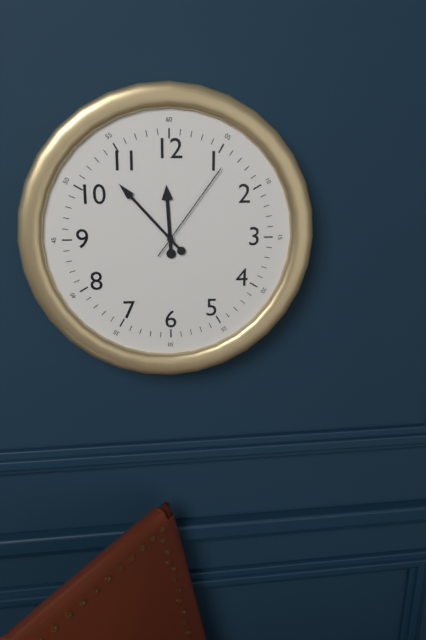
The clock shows 11:53:06
